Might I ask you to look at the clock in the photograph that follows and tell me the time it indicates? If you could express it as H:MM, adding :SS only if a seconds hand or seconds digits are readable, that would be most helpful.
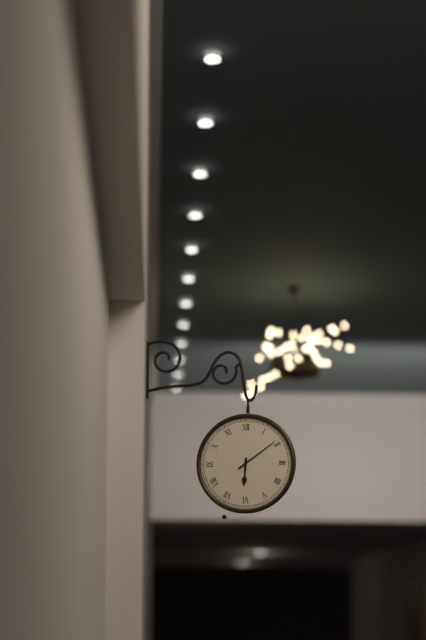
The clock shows 6:09
